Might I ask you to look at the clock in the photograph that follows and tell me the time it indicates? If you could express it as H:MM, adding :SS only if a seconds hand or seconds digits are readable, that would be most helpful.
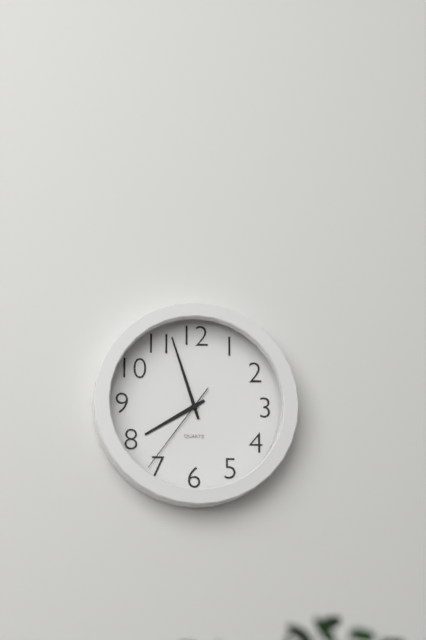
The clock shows 7:57:36
